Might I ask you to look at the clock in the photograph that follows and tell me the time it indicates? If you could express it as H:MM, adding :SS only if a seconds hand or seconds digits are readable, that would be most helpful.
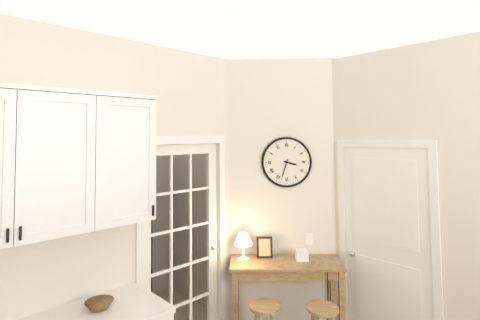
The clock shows 3:33
